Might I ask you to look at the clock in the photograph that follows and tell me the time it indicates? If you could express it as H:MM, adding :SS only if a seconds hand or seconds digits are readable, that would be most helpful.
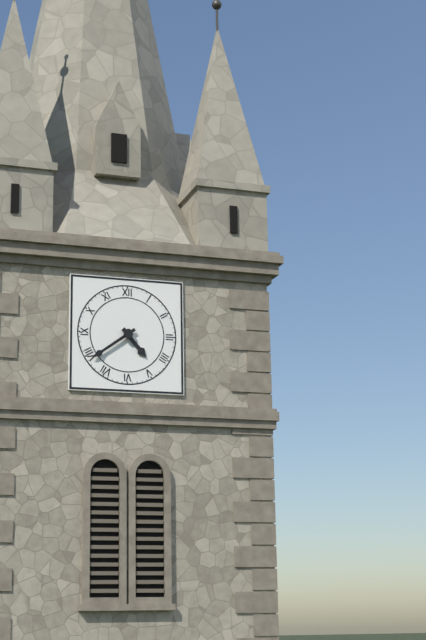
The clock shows 4:39
